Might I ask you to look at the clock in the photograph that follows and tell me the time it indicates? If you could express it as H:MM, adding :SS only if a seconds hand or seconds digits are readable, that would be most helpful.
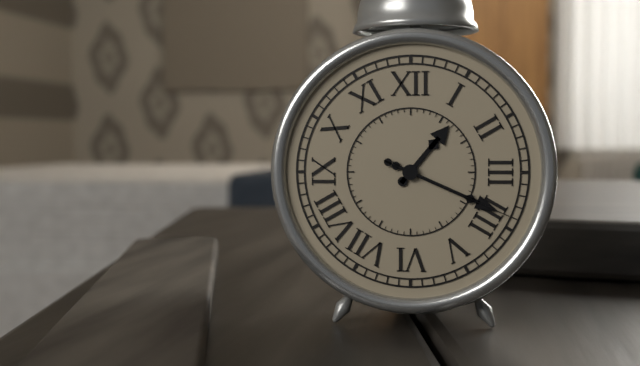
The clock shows 1:19:19
